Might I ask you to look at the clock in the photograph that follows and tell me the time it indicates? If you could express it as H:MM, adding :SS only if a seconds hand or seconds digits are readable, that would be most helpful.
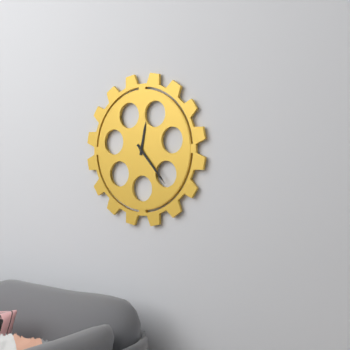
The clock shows 12:23
